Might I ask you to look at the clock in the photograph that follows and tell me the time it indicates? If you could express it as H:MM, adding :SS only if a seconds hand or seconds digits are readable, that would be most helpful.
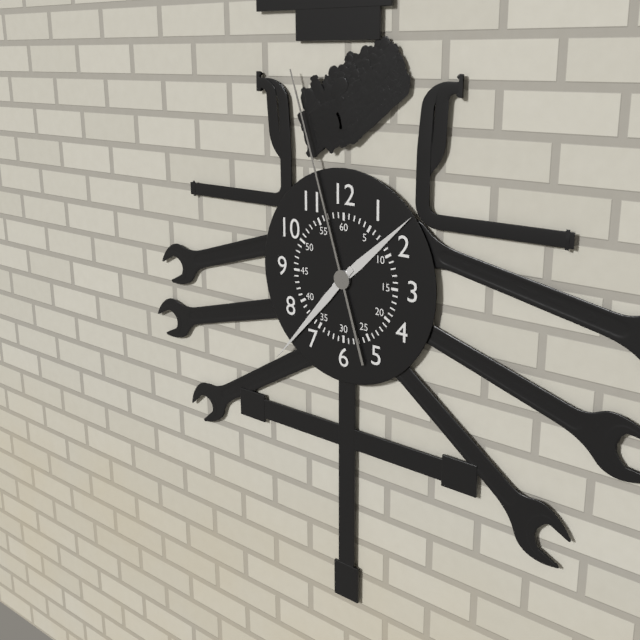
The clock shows 1:37:57
